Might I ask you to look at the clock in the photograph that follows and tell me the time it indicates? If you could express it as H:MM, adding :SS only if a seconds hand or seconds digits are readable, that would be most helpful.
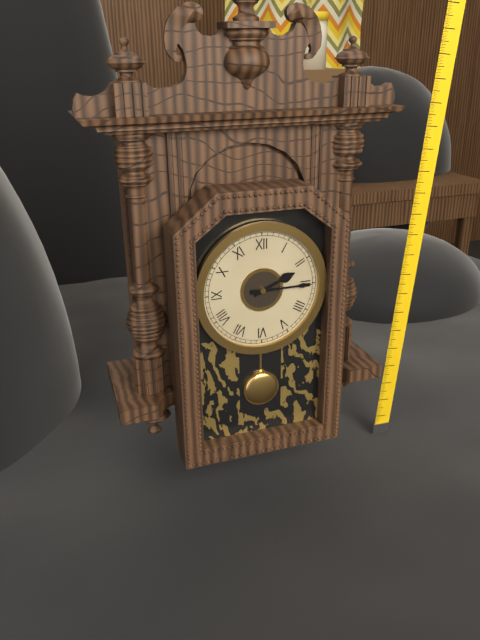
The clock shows 2:15
